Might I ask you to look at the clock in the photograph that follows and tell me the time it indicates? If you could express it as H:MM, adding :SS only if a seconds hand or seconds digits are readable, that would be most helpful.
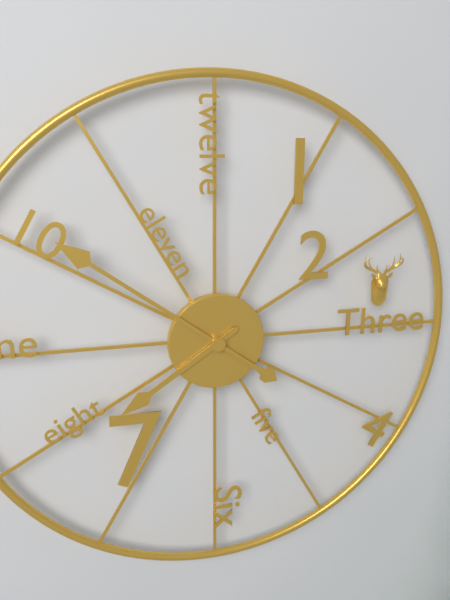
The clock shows 7:51
